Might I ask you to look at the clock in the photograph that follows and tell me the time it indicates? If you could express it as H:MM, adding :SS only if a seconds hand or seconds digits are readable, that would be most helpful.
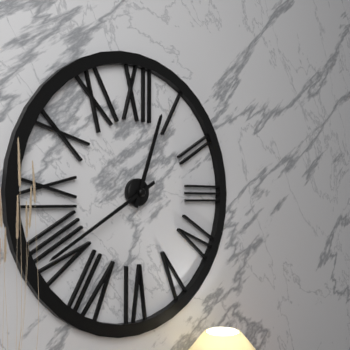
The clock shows 12:40
